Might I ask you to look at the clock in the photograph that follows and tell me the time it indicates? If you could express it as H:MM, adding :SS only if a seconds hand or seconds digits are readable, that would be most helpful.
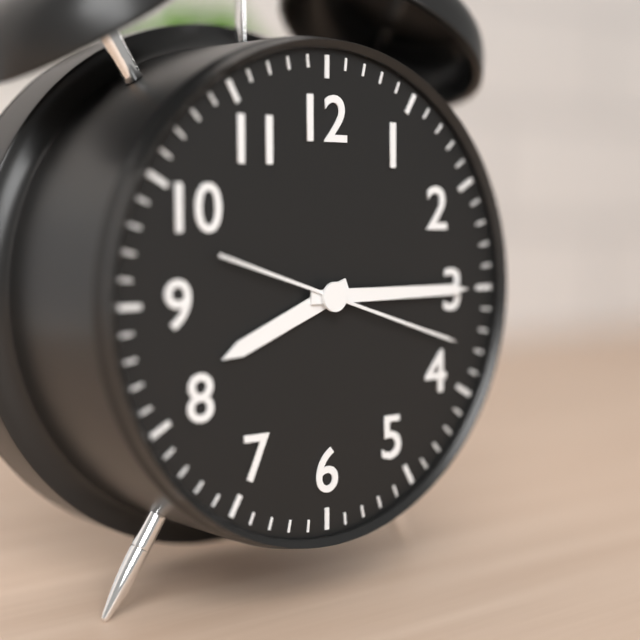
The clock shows 8:15:18
